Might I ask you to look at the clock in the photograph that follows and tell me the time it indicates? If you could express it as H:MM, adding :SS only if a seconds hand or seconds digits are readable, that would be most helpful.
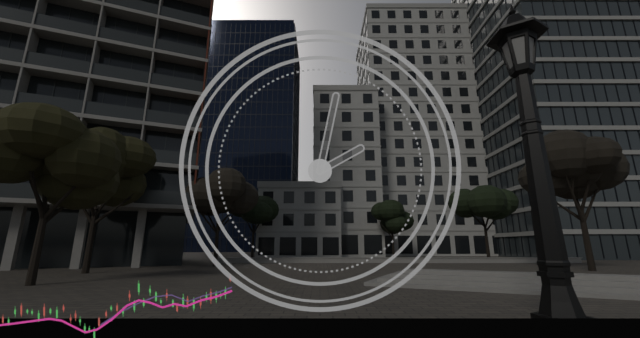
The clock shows 2:02
